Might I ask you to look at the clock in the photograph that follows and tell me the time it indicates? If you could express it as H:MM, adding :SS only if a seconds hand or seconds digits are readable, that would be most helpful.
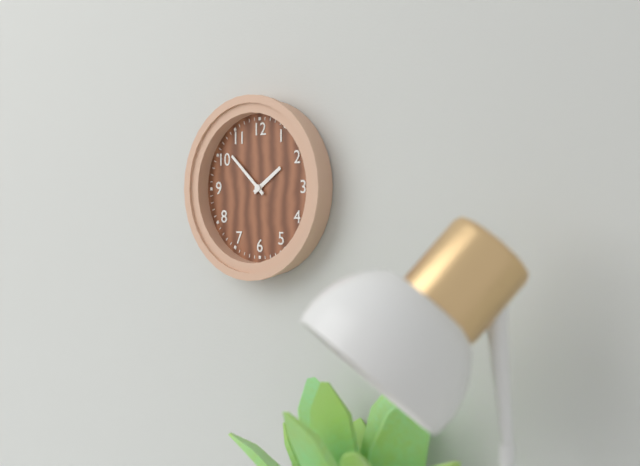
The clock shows 1:52
